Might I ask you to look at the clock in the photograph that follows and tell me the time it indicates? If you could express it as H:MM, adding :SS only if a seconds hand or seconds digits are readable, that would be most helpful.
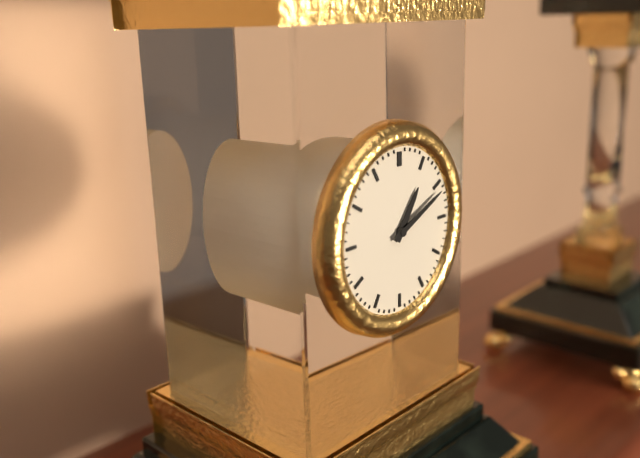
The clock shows 1:11
